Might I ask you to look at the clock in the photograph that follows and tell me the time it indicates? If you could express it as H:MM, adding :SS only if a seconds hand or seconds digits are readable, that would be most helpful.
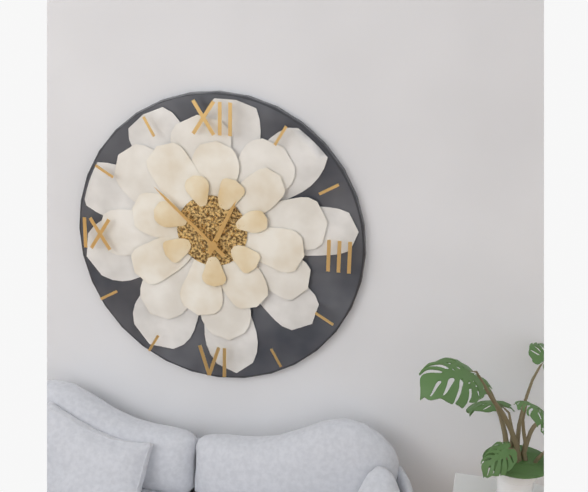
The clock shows 12:52
